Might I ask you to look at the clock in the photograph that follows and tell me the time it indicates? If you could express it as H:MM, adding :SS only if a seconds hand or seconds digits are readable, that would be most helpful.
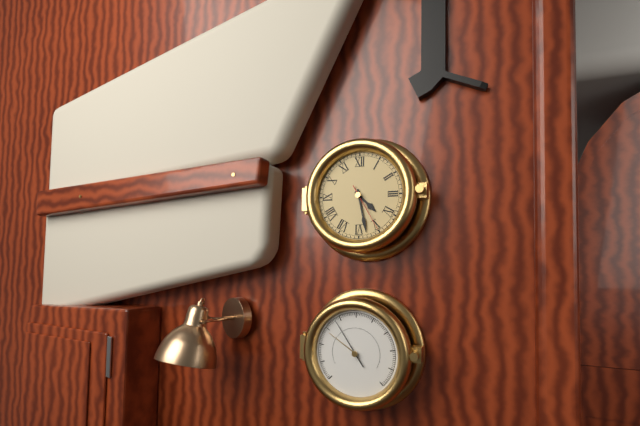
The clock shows 4:28
